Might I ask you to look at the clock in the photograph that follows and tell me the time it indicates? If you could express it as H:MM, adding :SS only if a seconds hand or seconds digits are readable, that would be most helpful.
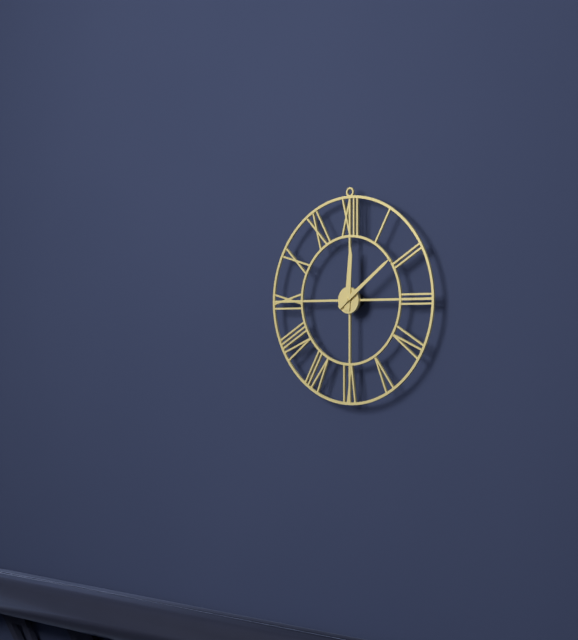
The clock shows 12:09
